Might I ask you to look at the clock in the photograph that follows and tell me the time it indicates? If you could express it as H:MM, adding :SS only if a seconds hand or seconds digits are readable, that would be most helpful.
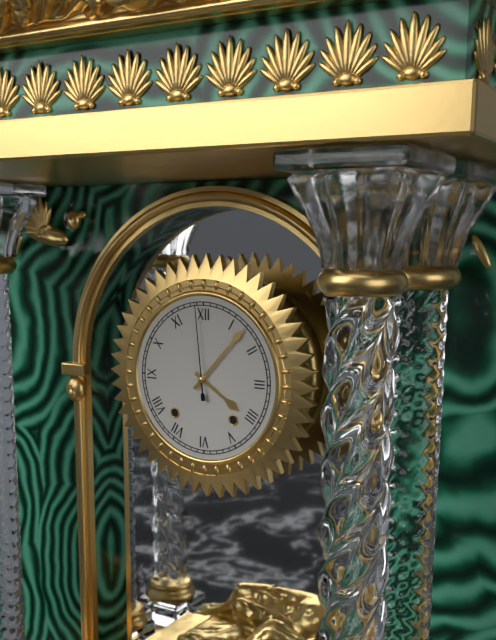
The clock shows 4:07:59
